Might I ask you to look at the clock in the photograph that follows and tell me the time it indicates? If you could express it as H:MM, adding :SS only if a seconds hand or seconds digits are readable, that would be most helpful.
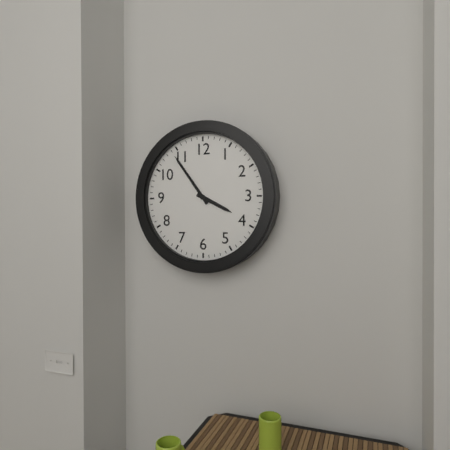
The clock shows 3:54
